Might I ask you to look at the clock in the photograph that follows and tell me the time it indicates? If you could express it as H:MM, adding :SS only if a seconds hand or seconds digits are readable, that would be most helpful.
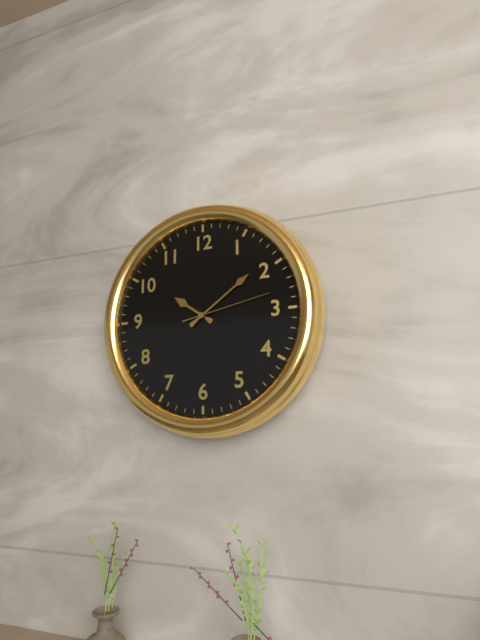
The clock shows 10:09:13
